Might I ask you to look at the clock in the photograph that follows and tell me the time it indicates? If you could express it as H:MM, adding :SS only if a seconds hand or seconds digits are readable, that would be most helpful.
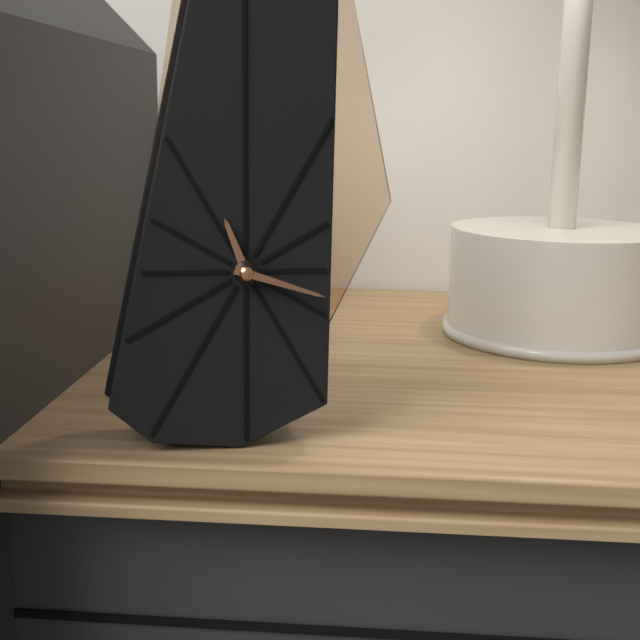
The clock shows 11:18
